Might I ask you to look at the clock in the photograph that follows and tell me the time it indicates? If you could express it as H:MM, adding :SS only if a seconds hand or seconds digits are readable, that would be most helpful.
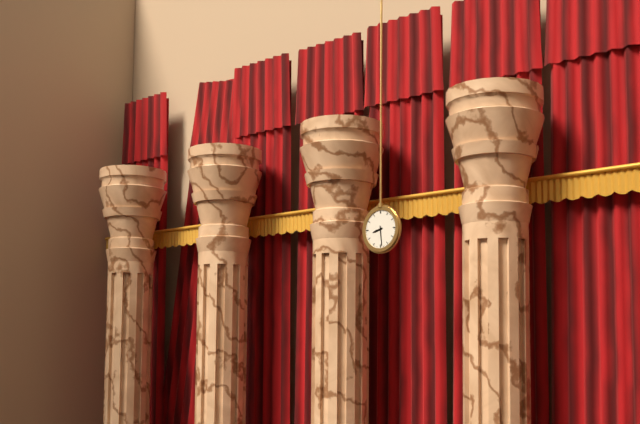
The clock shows 8:29
